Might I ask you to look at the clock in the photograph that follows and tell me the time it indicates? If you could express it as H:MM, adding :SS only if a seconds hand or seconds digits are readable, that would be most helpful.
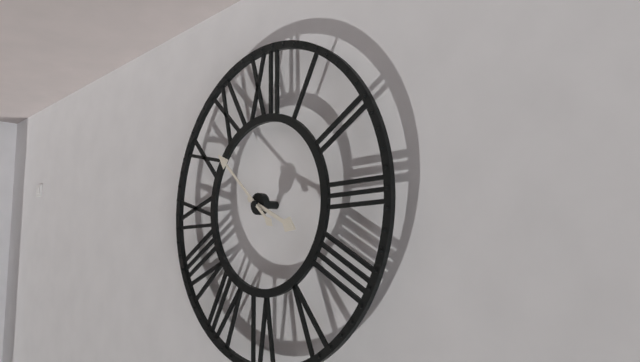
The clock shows 3:52
